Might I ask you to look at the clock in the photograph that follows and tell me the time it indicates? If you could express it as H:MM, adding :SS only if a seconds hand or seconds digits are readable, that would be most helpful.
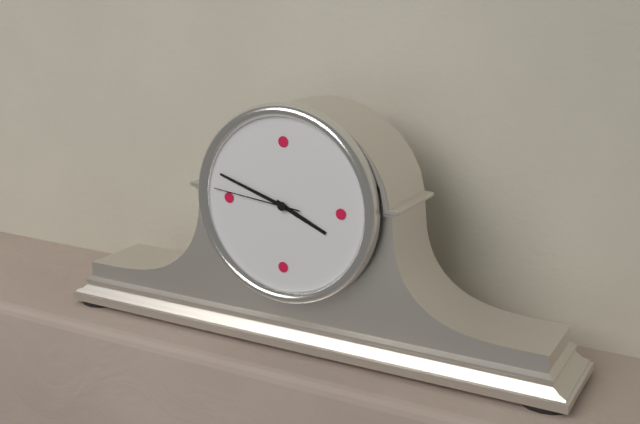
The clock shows 3:48:46
